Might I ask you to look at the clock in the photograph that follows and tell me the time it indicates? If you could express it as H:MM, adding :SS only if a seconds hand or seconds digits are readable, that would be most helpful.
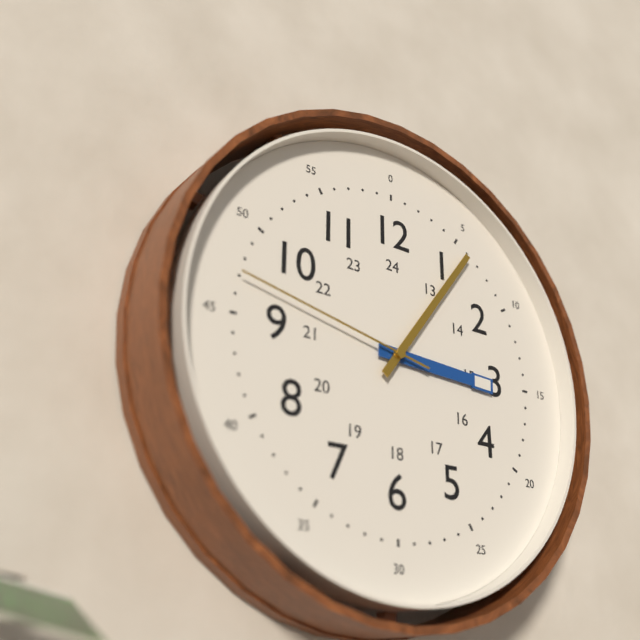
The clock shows 3:06:47
